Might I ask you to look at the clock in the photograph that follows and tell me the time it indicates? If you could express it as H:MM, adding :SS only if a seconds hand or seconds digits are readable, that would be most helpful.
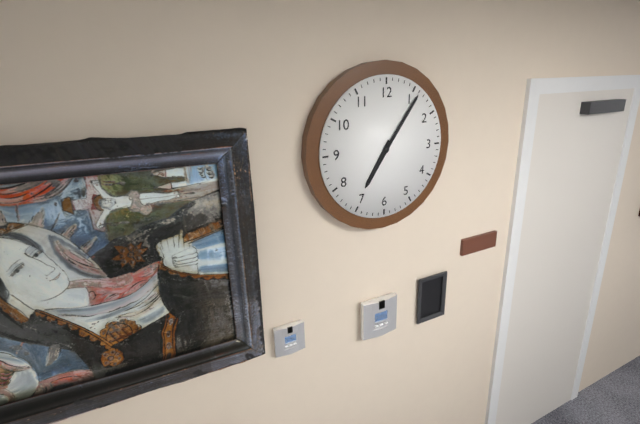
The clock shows 7:06
